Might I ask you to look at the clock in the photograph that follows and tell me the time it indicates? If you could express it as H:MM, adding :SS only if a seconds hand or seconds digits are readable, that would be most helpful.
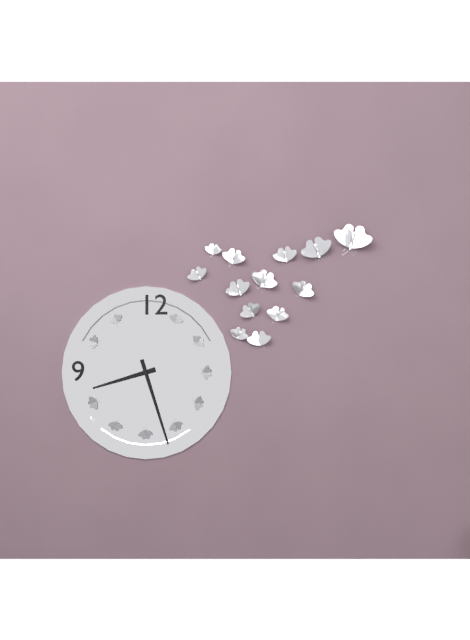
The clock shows 8:27
